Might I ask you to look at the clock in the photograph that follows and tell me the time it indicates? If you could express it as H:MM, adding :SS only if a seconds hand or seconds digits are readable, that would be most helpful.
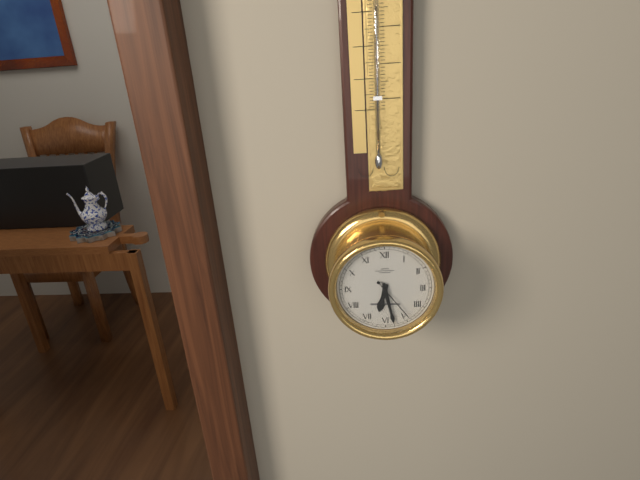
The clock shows 6:28
